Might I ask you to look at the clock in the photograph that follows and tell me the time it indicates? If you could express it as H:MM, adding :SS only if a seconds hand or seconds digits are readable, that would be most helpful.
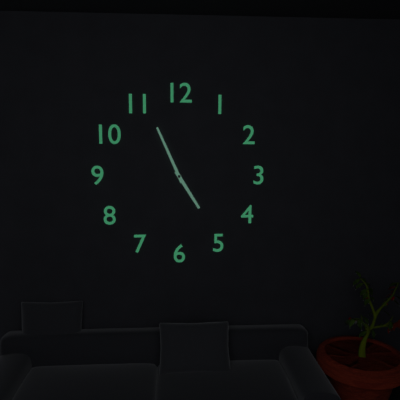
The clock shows 4:56
